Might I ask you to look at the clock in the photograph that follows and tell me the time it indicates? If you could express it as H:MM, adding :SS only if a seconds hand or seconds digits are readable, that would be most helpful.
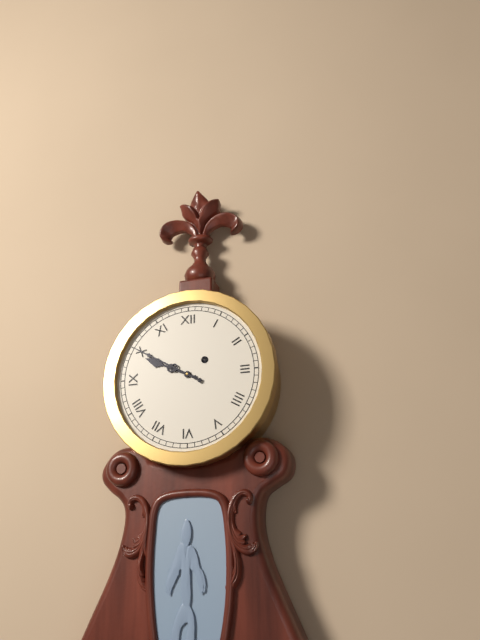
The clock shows 9:50
